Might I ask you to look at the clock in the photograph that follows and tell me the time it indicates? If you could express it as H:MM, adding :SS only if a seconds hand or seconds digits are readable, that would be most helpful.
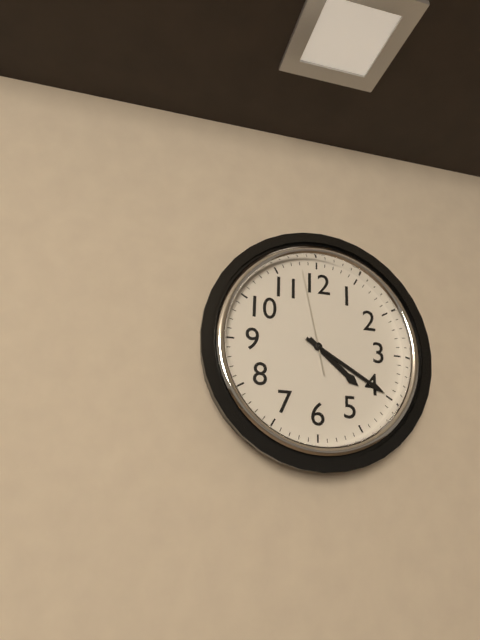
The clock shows 4:20:58
